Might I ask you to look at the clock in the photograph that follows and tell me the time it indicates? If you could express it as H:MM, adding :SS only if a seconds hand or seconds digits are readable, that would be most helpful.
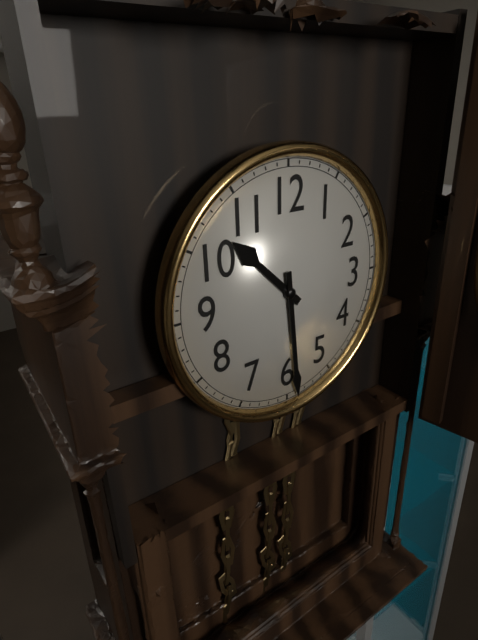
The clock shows 10:29
